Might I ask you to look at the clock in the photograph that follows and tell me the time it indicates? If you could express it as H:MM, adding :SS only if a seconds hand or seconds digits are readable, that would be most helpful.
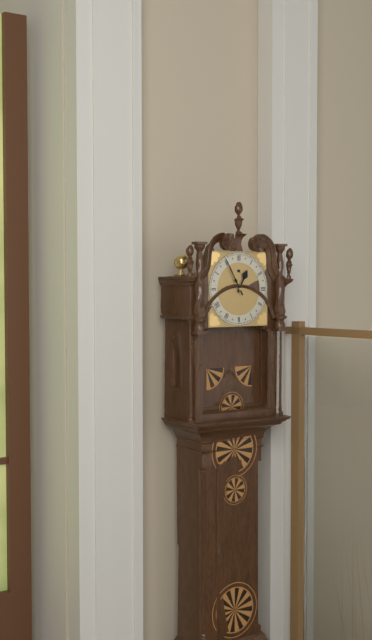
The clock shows 12:55
